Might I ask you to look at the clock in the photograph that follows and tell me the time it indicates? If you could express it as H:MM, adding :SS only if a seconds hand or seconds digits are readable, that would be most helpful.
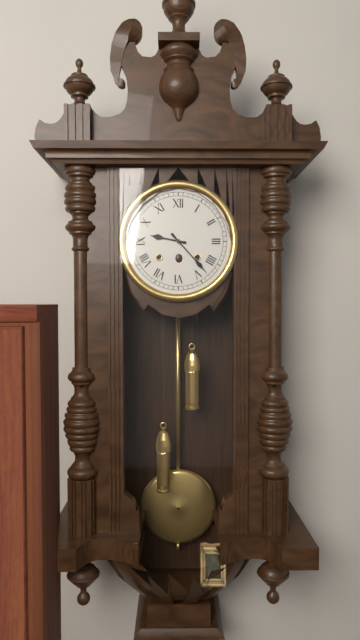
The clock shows 9:23
